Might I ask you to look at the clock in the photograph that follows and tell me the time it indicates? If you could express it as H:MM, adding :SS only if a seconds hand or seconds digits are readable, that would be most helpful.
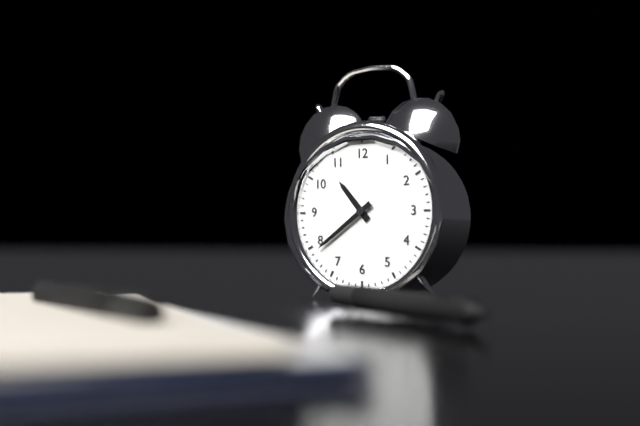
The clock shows 10:39
